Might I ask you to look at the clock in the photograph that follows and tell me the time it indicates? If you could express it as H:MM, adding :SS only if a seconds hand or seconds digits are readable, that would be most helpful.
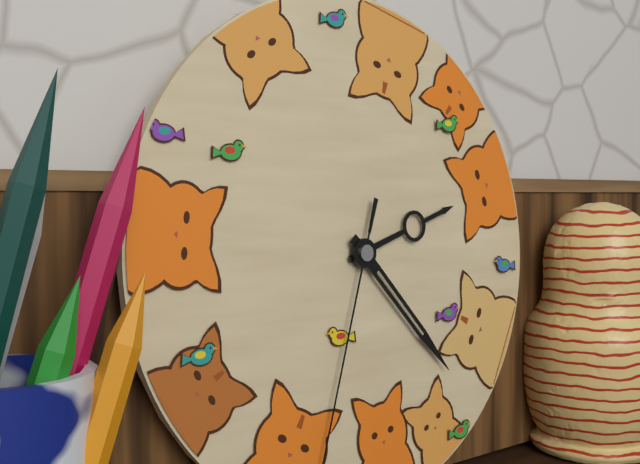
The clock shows 2:23
